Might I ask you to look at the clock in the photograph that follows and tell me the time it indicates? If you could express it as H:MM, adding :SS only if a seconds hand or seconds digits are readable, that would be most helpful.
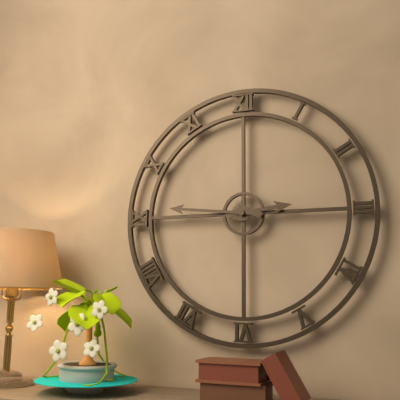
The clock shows 2:46
